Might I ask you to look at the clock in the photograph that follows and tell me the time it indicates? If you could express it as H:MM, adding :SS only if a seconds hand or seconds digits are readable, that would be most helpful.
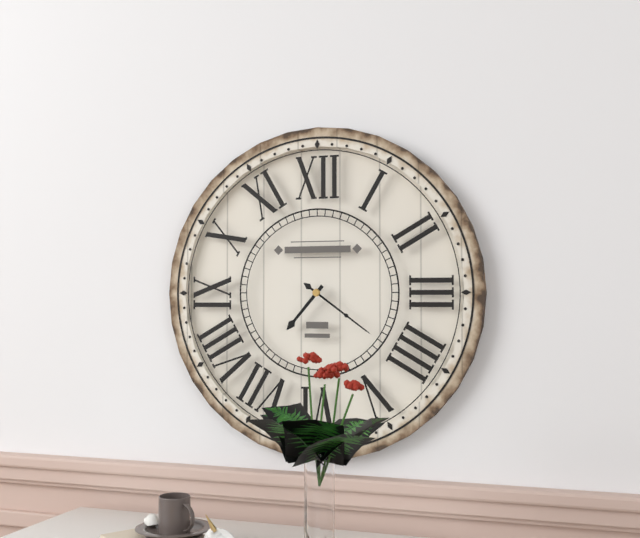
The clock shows 7:21
